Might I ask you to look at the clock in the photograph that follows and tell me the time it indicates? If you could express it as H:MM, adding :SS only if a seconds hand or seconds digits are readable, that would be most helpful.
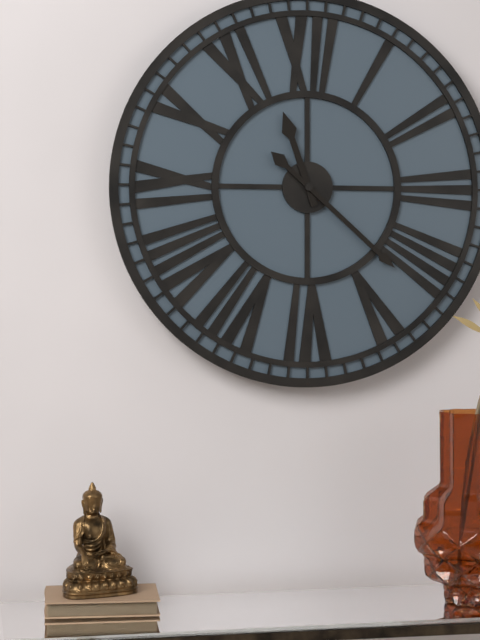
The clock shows 11:22
